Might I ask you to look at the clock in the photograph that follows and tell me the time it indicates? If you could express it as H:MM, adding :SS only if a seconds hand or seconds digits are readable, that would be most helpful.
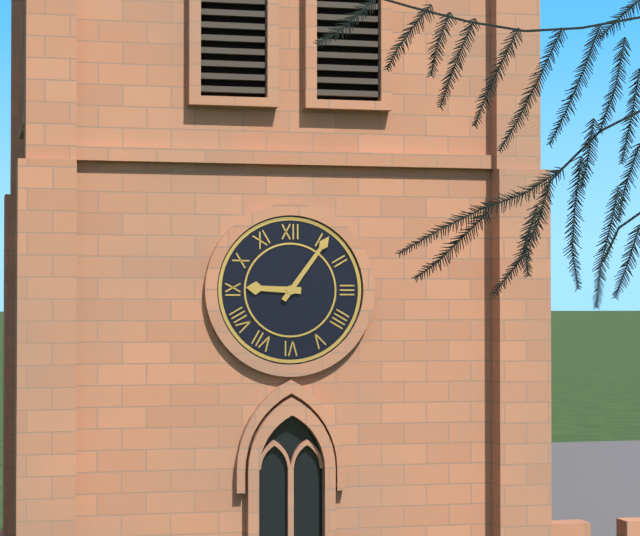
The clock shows 9:06
